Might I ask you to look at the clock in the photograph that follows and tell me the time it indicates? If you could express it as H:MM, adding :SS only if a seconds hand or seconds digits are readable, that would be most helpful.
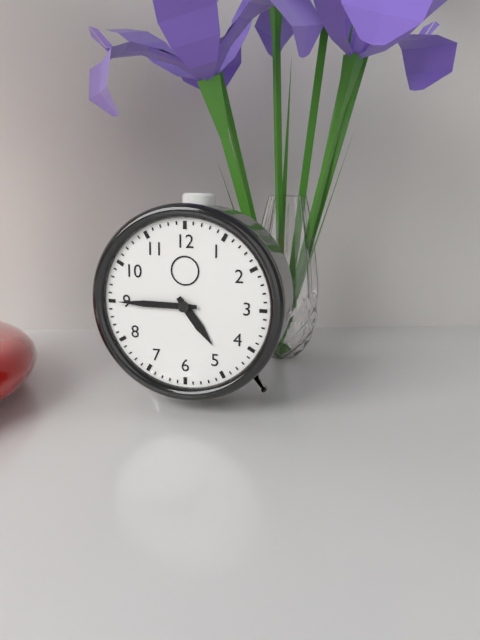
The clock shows 4:45
